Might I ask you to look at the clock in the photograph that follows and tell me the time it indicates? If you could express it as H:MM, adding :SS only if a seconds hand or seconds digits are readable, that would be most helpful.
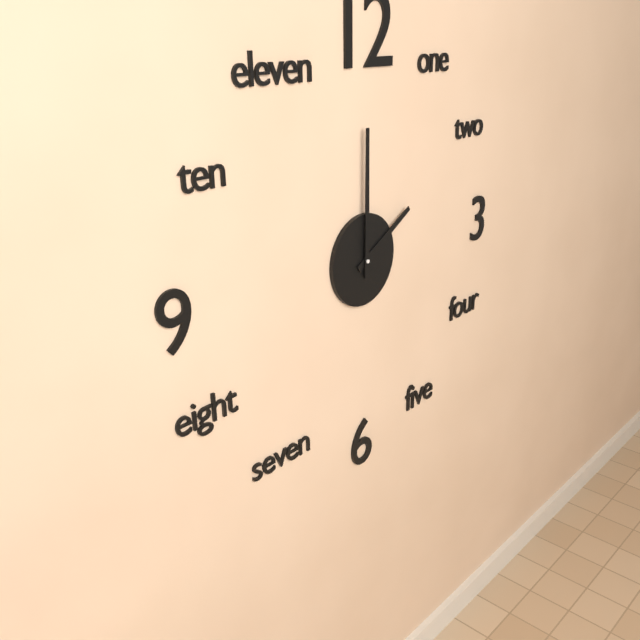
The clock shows 2:00
